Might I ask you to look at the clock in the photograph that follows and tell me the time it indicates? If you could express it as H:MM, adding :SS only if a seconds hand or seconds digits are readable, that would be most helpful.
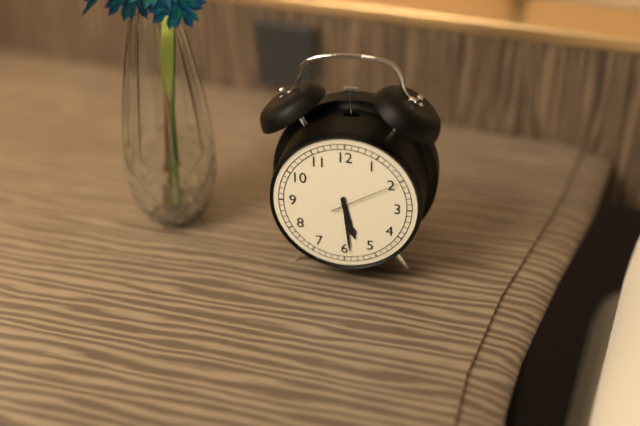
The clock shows 5:29:10
